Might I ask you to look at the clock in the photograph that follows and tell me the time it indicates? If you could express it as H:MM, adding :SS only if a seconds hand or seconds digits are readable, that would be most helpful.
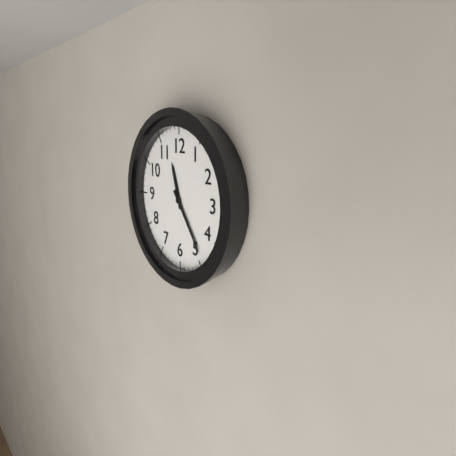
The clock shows 11:24
